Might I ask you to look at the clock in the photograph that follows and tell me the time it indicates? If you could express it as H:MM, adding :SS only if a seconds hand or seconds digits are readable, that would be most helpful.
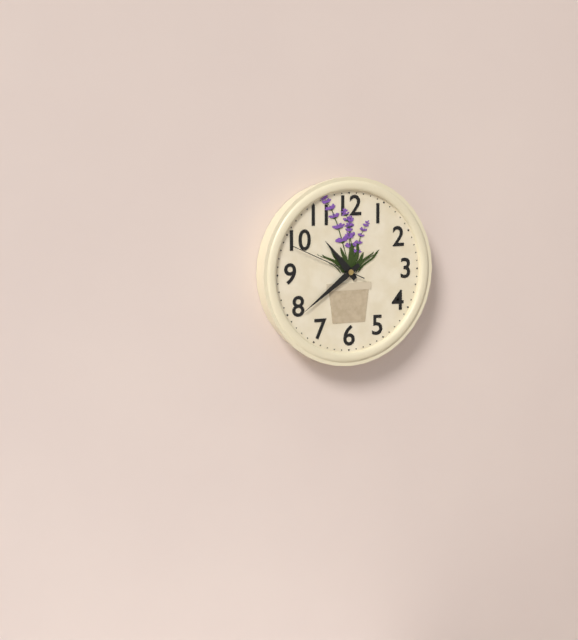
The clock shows 10:39:49
